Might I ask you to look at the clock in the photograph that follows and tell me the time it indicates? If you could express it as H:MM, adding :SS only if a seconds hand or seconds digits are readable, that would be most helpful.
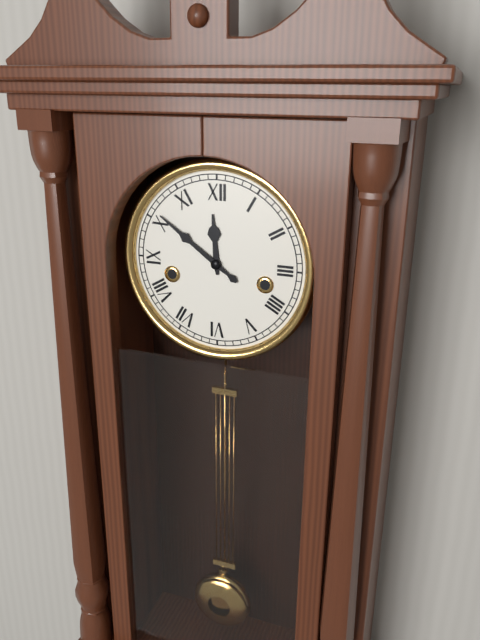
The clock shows 11:51
